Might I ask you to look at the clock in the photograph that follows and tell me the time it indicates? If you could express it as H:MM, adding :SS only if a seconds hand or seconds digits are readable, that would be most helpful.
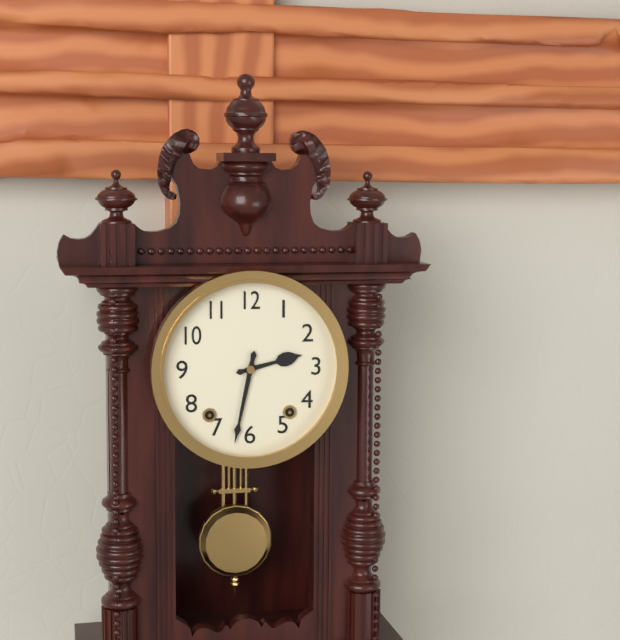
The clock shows 2:32
